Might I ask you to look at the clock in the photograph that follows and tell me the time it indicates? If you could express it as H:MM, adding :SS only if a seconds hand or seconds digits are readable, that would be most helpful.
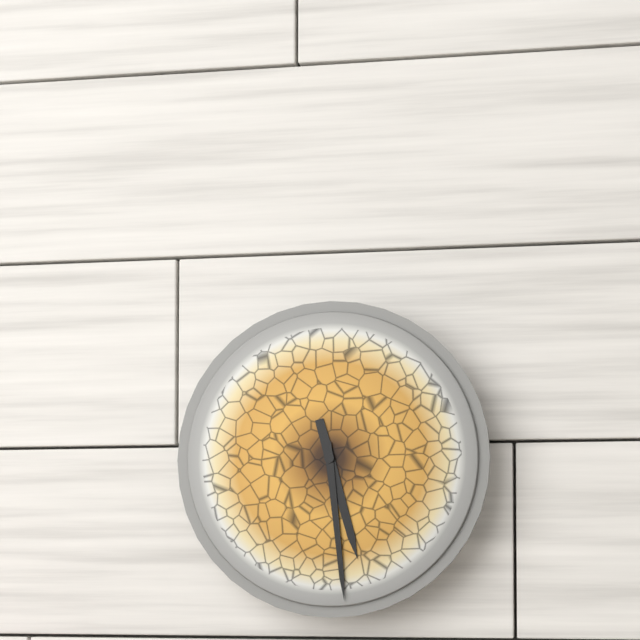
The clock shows 5:29
